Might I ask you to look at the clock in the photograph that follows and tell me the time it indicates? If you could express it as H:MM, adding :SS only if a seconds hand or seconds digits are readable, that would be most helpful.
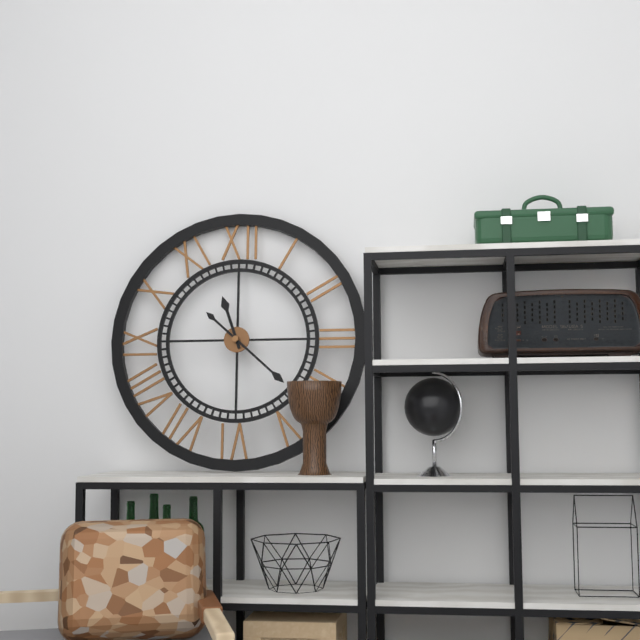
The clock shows 11:22
